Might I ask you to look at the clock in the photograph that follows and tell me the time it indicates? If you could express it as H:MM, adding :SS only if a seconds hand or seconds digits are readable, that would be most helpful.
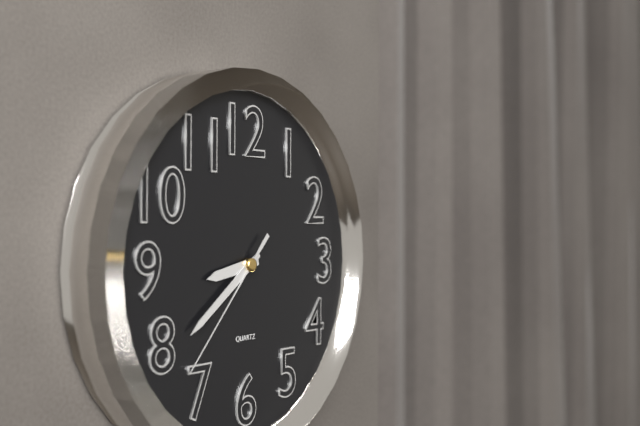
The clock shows 8:39:37
